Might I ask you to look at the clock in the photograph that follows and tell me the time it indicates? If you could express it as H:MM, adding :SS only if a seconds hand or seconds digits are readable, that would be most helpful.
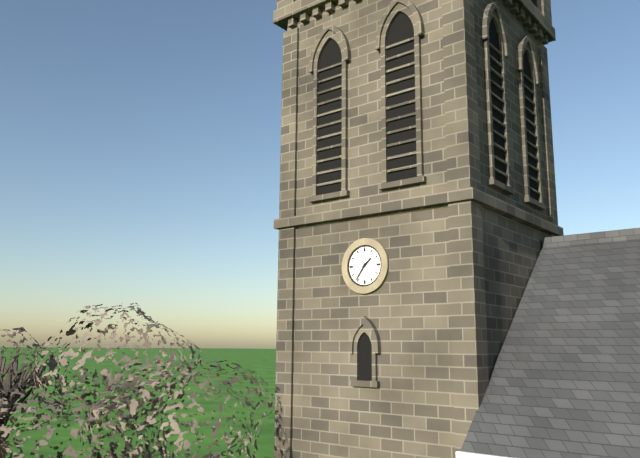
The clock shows 1:36
